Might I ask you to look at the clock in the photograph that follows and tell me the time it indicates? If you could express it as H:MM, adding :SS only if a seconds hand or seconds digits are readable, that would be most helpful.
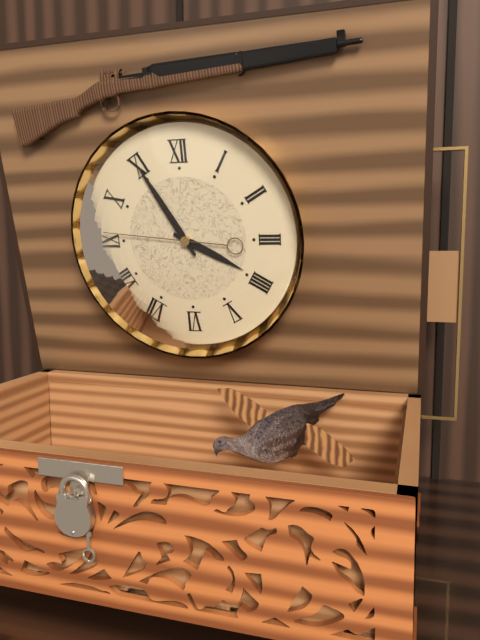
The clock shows 3:55:46
